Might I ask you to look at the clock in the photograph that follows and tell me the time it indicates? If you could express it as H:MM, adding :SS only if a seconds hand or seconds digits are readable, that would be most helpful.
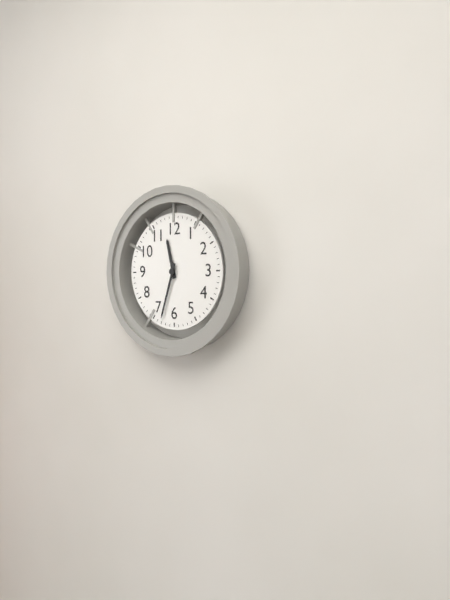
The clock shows 11:33
